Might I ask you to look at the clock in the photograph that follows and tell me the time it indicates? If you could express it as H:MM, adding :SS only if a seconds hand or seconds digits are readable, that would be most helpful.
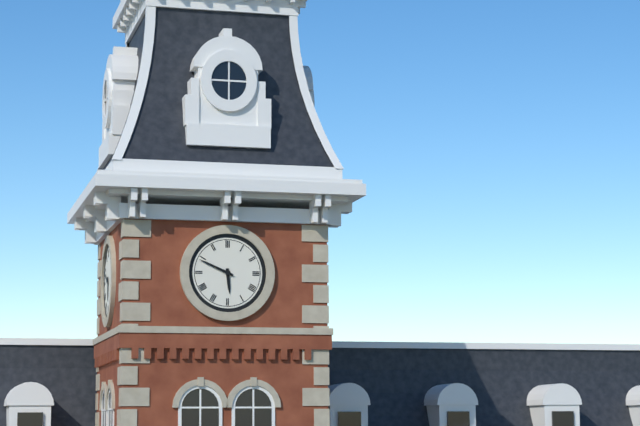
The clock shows 5:49
